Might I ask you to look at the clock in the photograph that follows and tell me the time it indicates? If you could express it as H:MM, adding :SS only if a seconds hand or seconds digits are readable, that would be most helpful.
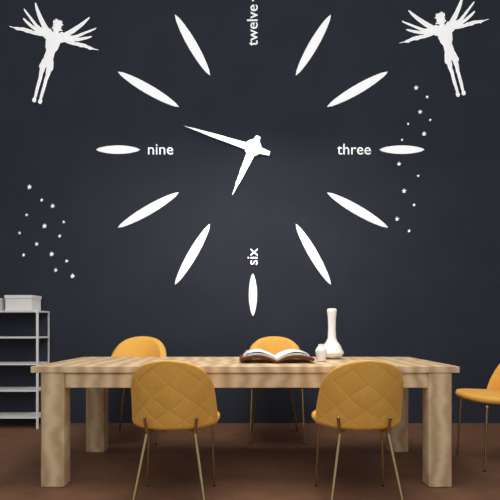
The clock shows 6:48
